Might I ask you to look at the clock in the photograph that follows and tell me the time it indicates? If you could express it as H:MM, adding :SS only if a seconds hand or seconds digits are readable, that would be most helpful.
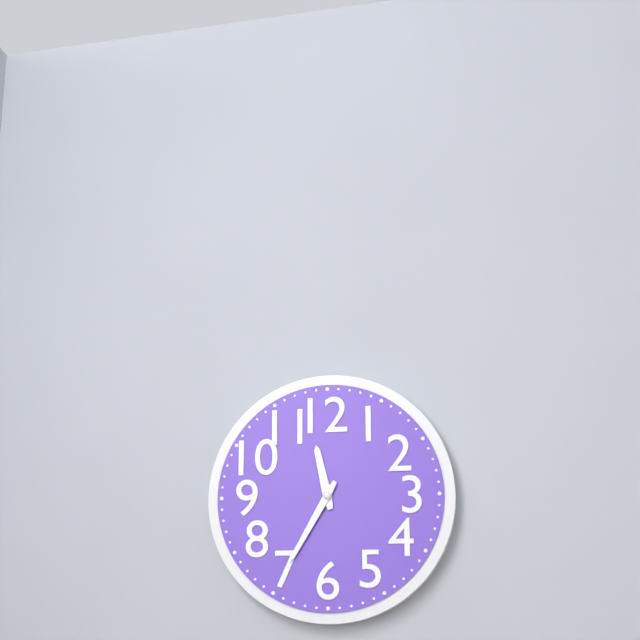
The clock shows 11:35
